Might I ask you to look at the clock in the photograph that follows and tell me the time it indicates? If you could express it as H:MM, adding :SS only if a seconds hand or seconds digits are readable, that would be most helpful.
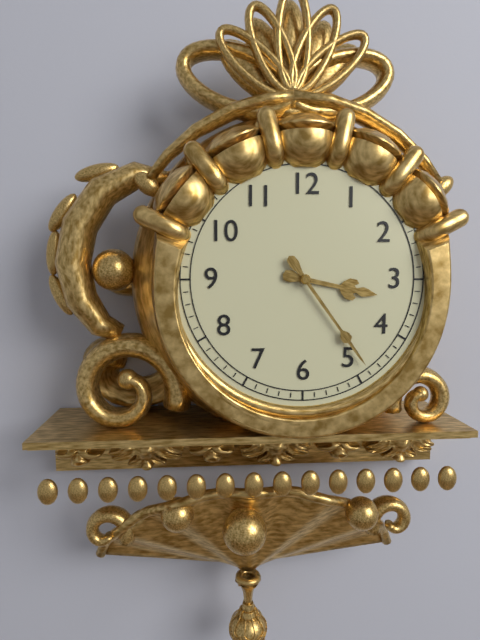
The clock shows 3:24
